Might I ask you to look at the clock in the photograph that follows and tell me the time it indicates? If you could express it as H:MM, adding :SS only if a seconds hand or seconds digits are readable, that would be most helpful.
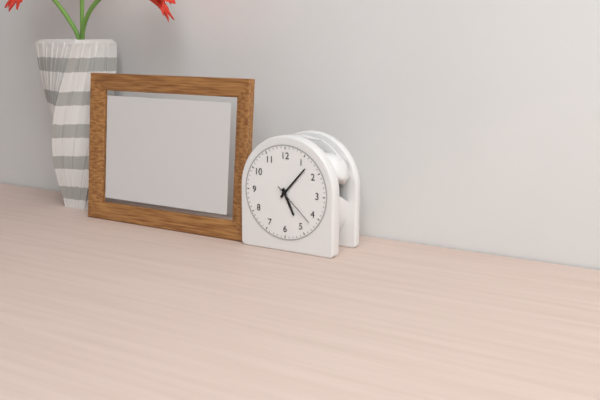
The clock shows 5:07
